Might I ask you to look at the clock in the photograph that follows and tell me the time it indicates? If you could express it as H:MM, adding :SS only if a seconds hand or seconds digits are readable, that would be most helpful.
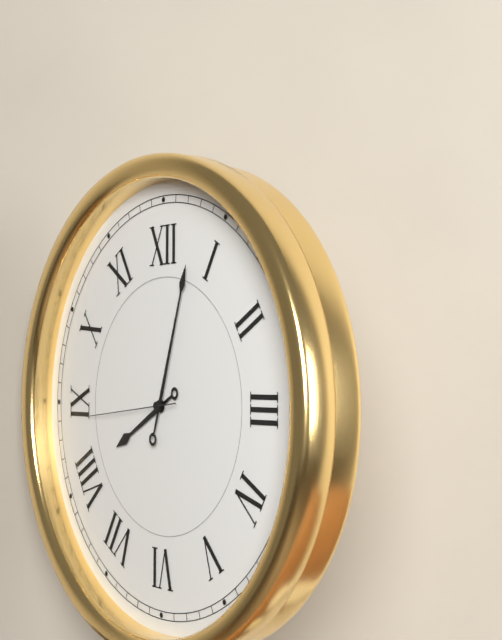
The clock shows 8:03:44
